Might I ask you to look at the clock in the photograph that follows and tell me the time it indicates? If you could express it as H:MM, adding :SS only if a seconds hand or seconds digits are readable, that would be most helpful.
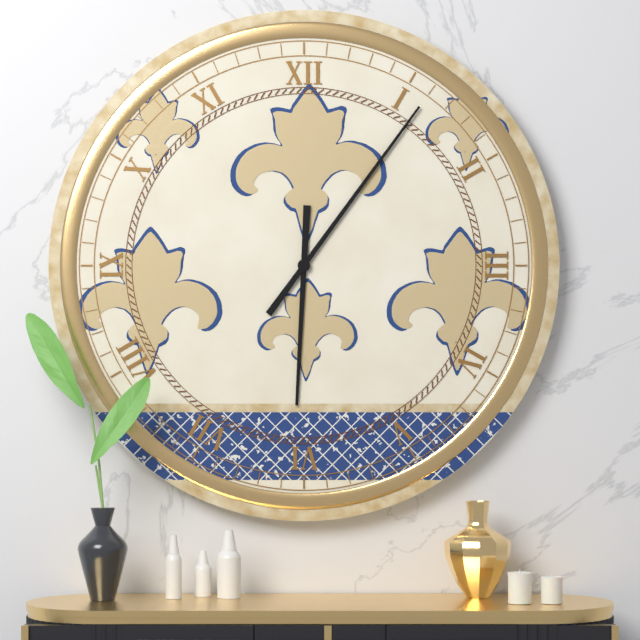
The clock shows 6:06
